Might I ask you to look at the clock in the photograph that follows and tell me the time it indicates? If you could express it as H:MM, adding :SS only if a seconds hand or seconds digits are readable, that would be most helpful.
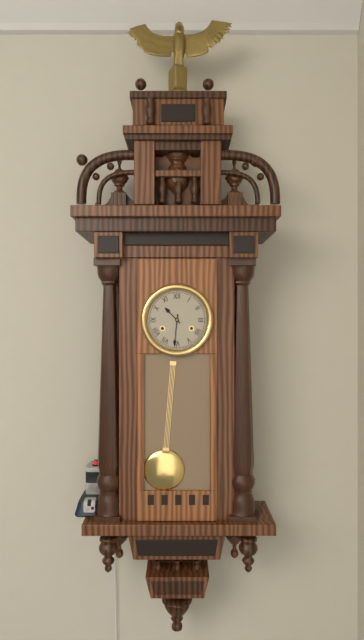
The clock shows 10:31
